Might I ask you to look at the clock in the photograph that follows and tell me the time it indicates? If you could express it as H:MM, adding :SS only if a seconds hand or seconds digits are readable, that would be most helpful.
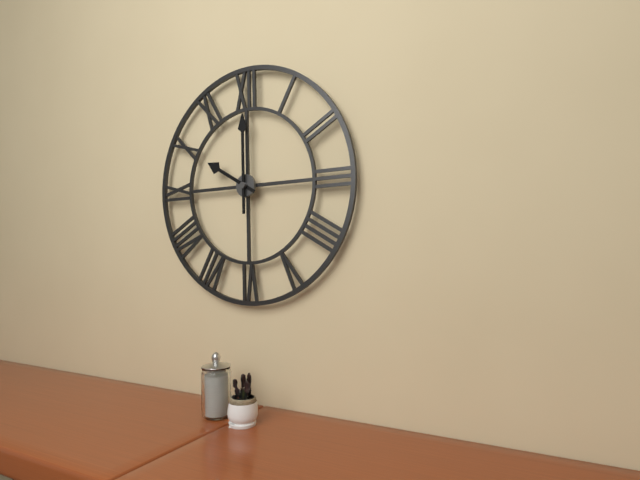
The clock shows 10:00
